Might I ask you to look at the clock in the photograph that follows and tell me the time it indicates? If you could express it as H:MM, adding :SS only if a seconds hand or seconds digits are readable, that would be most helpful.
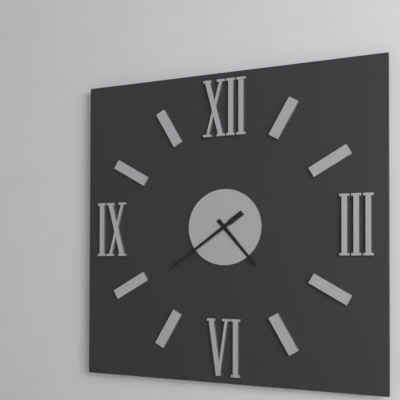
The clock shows 4:39
